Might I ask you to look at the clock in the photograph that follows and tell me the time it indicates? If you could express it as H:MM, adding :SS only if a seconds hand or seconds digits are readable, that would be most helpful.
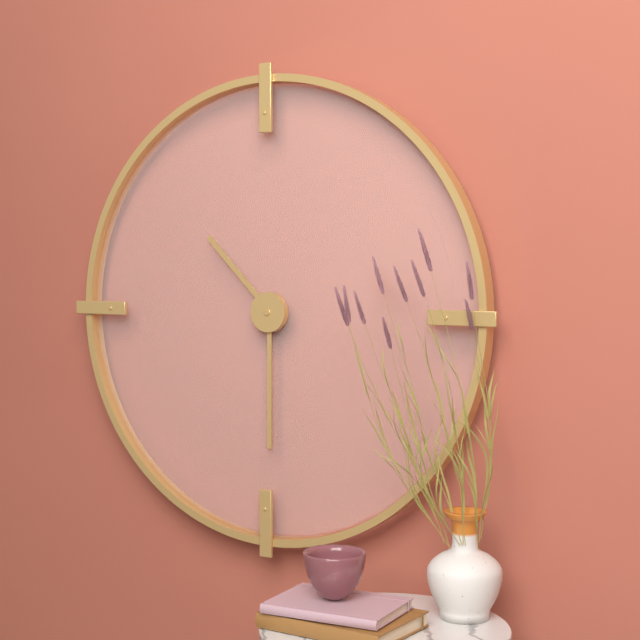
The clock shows 10:30
